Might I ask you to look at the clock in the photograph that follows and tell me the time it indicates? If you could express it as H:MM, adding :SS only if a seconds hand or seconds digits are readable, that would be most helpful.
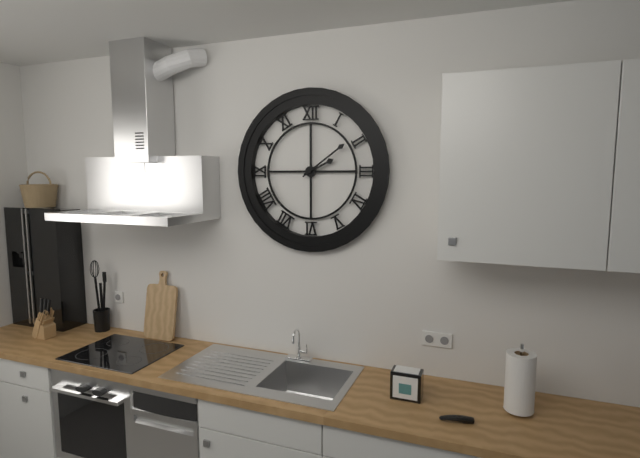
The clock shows 2:09
